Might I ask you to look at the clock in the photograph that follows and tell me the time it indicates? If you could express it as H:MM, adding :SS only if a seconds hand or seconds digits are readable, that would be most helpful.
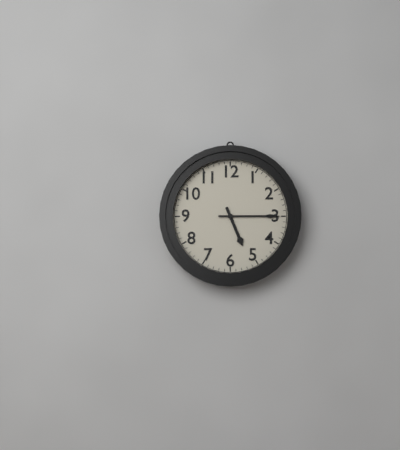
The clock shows 5:15
